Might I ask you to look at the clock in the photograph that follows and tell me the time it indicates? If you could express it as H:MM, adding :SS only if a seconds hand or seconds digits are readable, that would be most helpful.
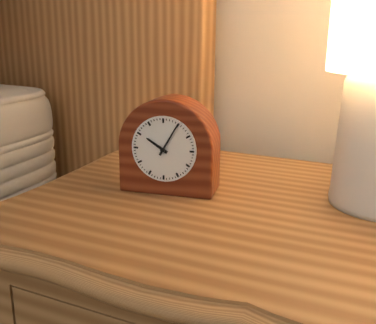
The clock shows 10:05
